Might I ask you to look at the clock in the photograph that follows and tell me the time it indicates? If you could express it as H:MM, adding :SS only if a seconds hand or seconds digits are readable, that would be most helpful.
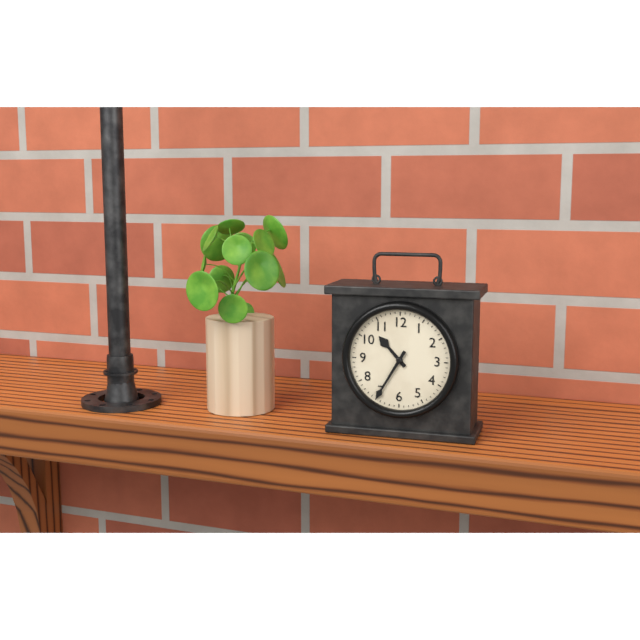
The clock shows 10:35
